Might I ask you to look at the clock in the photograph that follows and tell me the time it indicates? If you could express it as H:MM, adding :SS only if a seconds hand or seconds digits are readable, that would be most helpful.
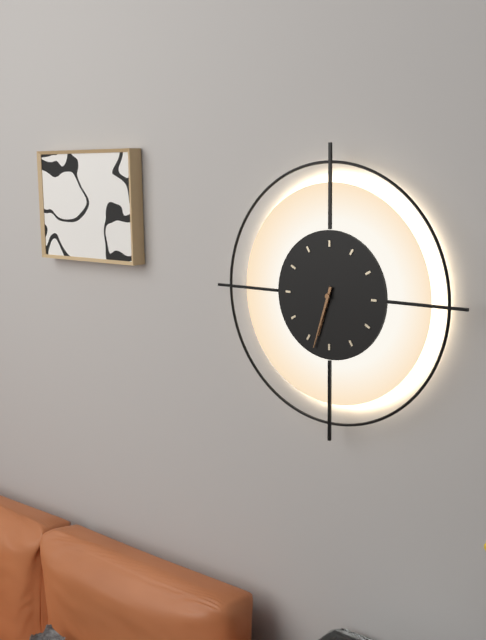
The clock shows 6:33
